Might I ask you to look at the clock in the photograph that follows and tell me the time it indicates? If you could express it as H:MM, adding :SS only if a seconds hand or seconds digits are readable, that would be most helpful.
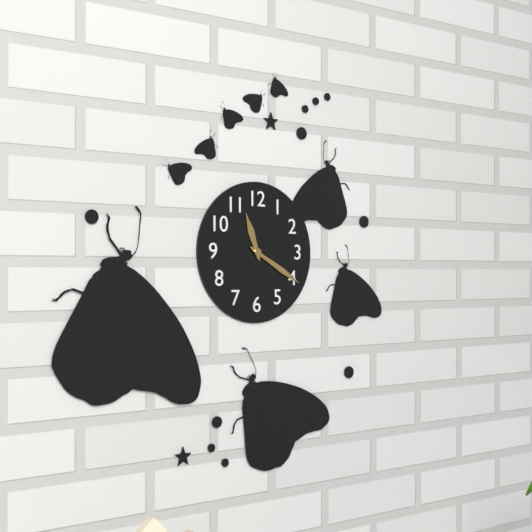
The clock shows 11:20
